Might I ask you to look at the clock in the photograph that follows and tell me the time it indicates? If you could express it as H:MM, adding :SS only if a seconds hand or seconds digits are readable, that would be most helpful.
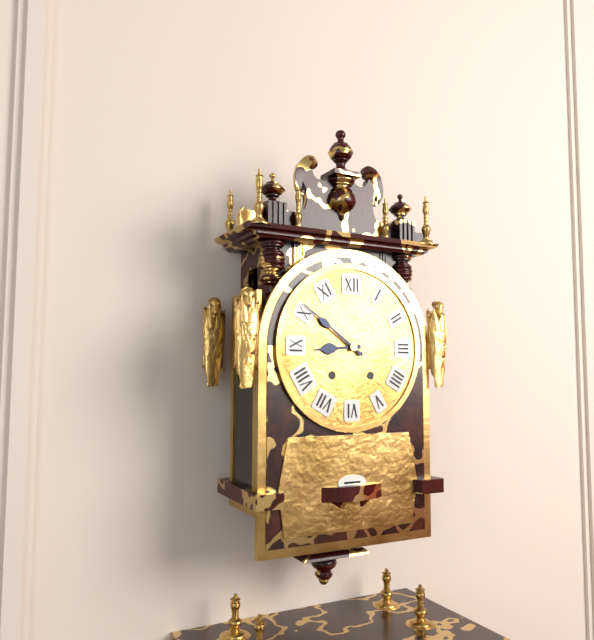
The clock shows 8:51
